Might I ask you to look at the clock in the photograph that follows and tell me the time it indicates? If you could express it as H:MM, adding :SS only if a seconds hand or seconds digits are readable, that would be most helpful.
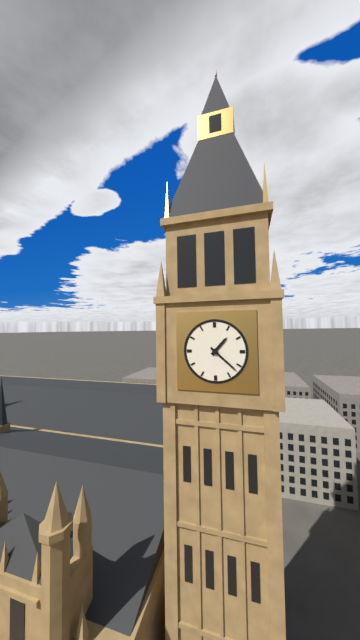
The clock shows 1:22
